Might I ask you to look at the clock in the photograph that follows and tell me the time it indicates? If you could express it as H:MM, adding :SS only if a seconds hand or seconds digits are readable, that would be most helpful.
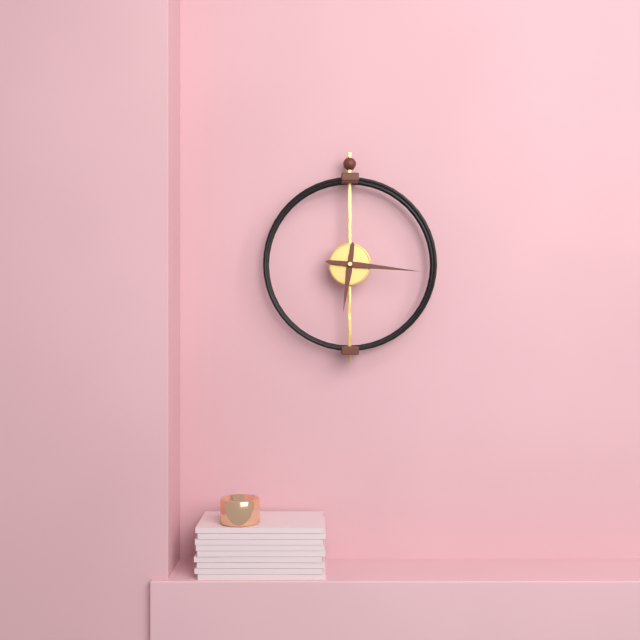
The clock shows 6:16
